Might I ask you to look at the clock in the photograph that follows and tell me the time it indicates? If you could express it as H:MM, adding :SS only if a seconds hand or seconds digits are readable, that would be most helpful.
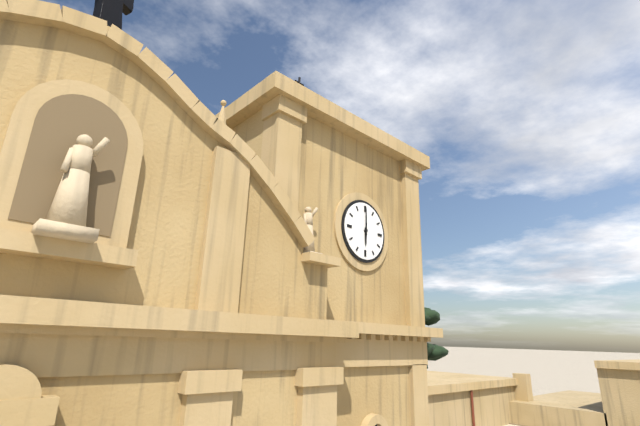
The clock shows 6:00
